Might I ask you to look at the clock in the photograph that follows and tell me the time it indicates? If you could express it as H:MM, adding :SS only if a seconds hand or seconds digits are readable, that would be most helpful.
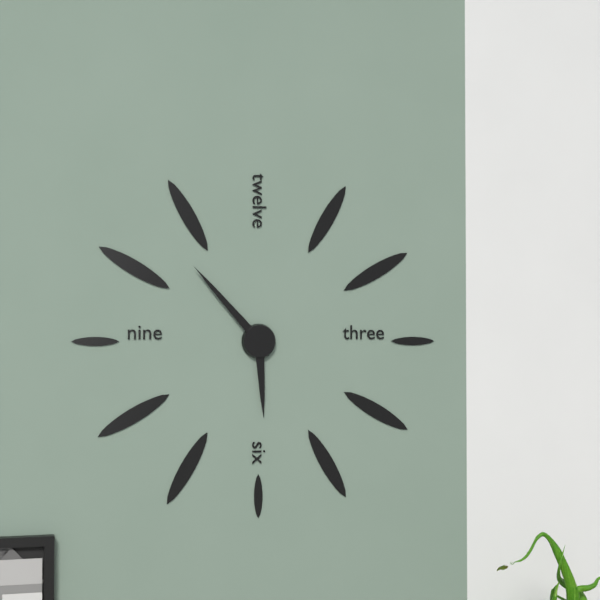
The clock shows 5:53
